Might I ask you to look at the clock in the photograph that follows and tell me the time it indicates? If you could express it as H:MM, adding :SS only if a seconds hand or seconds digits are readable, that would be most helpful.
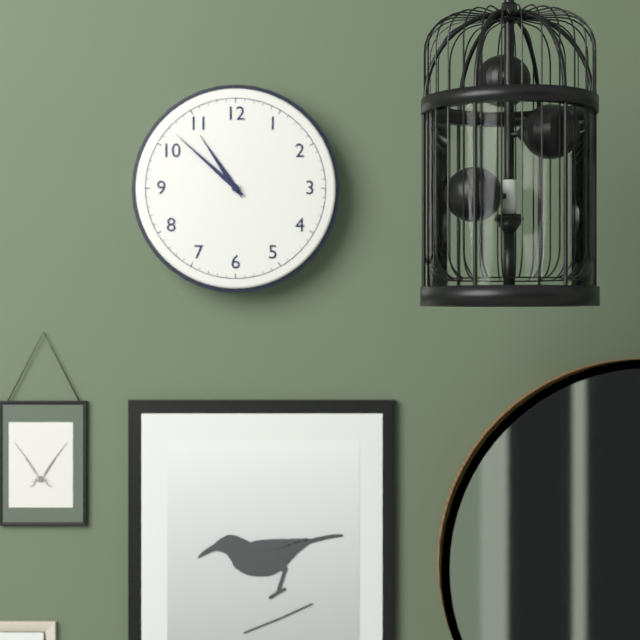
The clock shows 10:52
